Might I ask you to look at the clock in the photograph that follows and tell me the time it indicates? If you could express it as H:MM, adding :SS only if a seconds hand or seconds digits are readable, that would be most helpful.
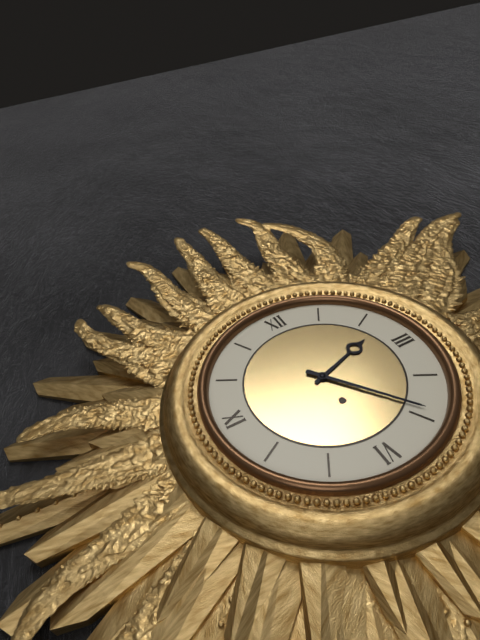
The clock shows 2:24
